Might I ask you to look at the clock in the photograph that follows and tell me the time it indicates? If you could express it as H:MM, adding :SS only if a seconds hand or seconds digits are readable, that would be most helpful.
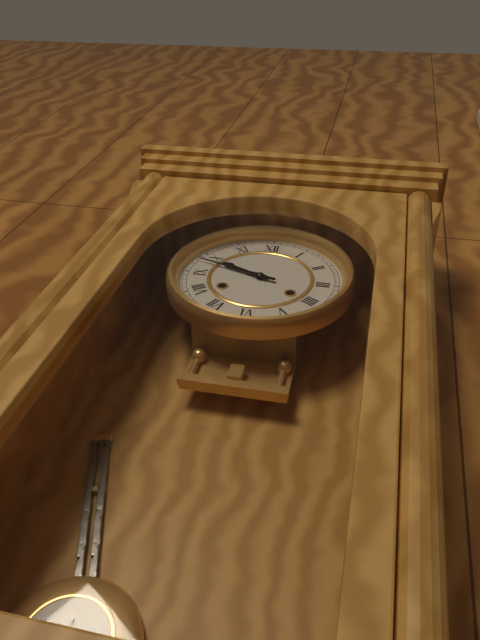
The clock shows 9:48
